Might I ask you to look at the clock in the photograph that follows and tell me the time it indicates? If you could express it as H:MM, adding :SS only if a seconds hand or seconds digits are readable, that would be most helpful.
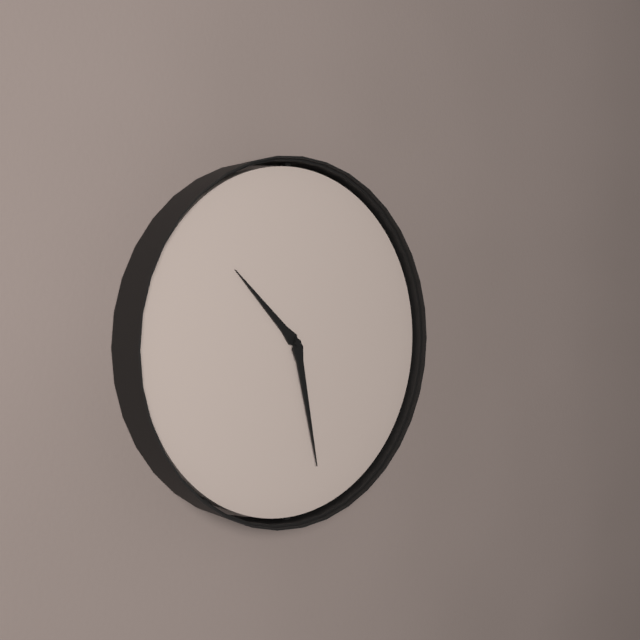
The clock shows 10:28
